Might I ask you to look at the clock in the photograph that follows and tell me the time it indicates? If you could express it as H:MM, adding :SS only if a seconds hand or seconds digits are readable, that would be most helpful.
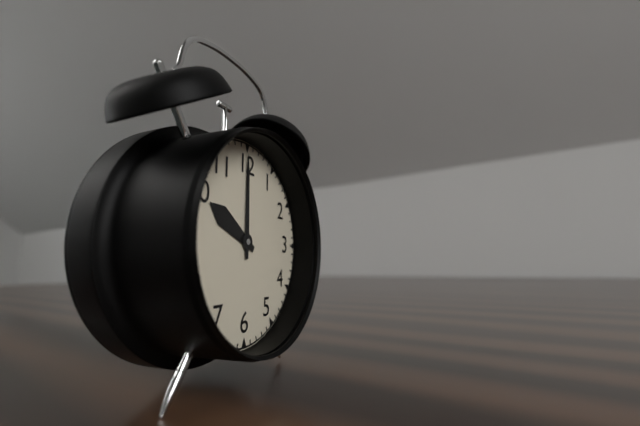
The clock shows 10:00
